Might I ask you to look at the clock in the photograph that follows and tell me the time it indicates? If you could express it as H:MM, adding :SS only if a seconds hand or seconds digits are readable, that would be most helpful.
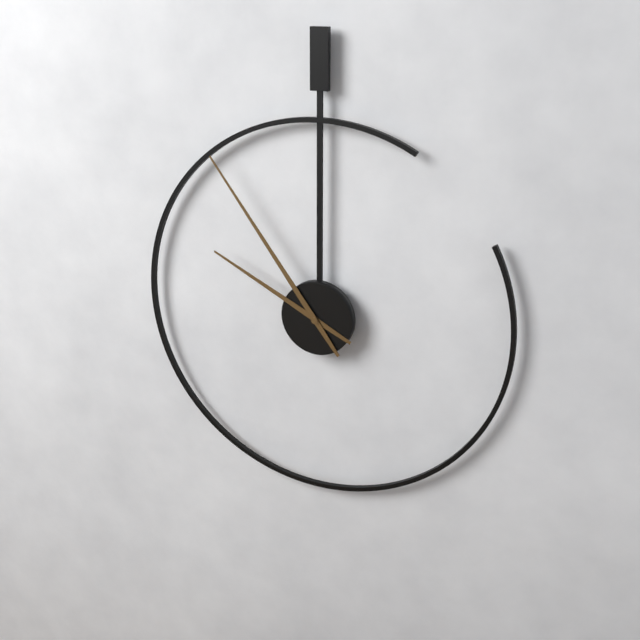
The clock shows 9:54
